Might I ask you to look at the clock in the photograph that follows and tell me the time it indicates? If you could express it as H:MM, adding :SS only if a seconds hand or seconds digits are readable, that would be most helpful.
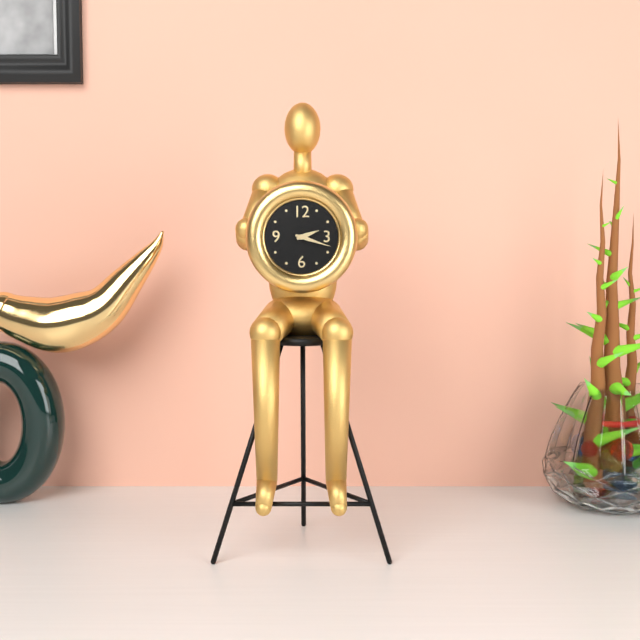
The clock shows 2:18
